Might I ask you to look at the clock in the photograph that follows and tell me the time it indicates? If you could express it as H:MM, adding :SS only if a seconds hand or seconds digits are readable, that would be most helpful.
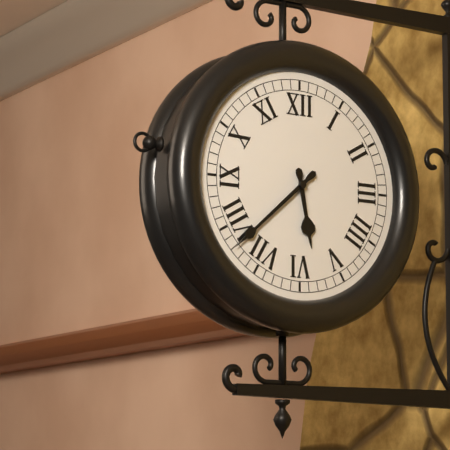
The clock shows 5:38
